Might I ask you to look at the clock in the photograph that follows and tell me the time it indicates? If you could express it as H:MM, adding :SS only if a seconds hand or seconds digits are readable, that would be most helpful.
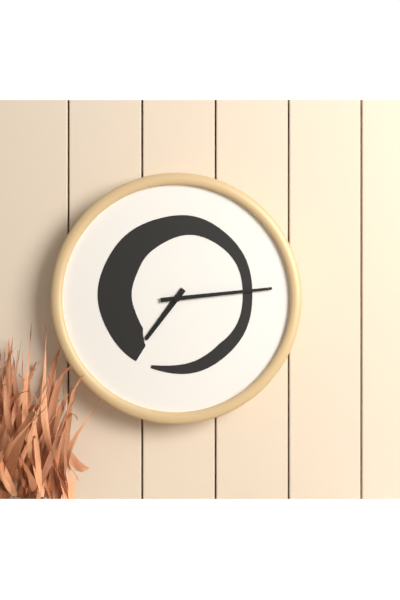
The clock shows 7:14
